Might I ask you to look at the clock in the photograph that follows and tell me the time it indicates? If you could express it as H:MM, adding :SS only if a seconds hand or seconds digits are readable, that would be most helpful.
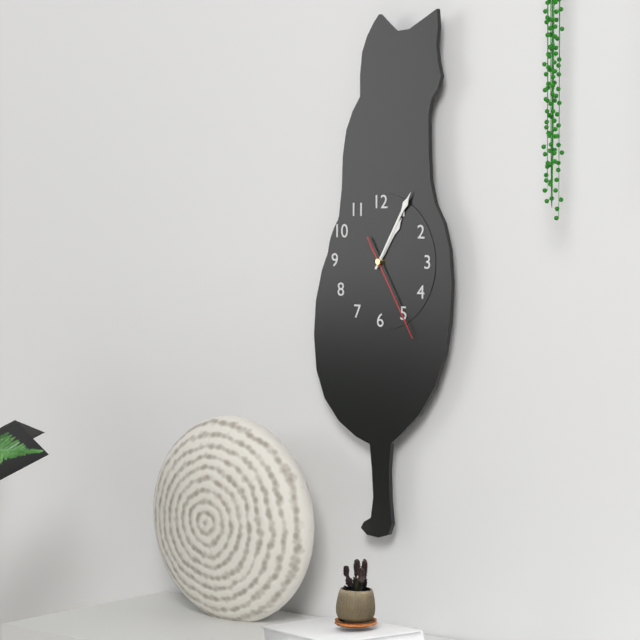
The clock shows 1:05:25
